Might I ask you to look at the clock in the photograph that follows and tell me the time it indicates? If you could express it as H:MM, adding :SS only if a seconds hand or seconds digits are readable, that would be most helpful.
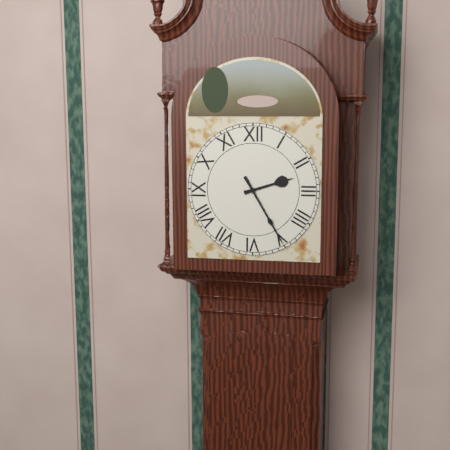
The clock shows 2:25
